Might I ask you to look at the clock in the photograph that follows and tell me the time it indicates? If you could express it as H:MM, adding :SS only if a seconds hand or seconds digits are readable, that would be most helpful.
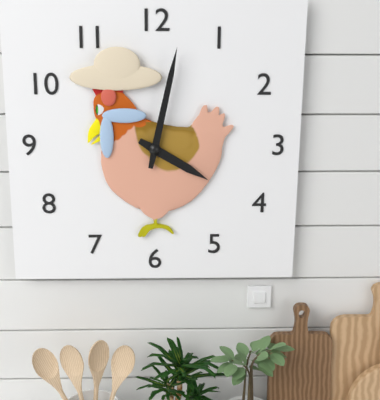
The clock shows 4:02
